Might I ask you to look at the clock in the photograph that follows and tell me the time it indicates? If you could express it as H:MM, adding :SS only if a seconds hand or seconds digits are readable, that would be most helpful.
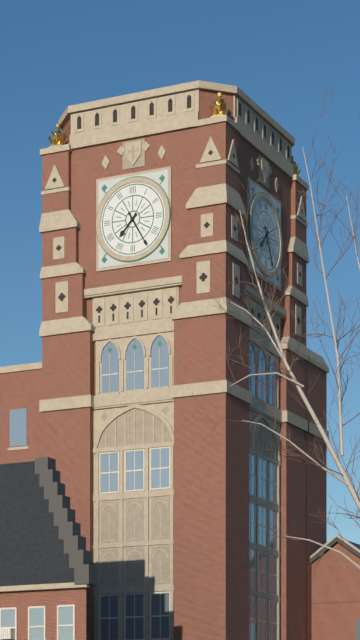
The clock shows 7:25
